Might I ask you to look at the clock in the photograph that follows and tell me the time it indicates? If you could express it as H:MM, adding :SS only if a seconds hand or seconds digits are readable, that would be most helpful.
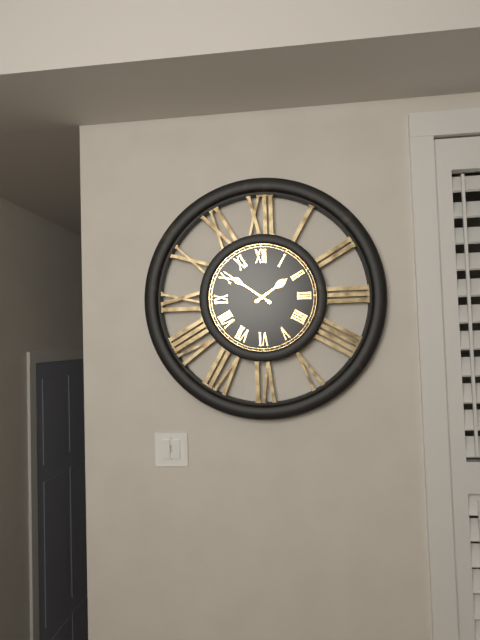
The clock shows 1:51
